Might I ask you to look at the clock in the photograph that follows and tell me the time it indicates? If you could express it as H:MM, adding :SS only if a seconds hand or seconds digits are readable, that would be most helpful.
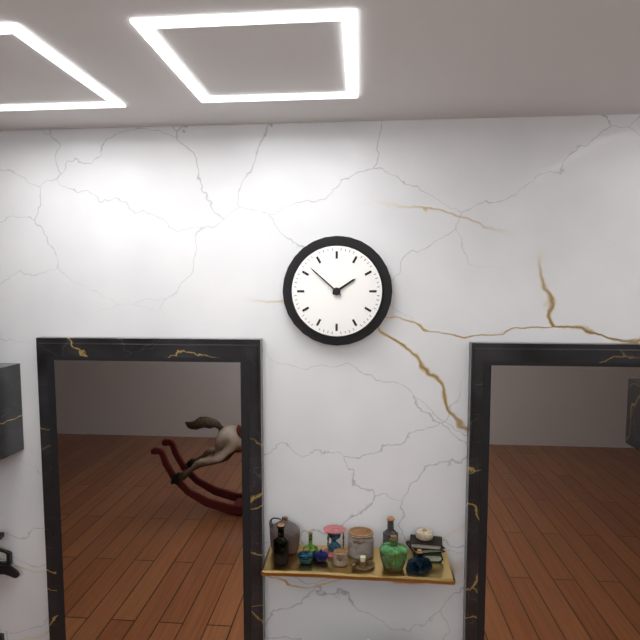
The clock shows 1:52
